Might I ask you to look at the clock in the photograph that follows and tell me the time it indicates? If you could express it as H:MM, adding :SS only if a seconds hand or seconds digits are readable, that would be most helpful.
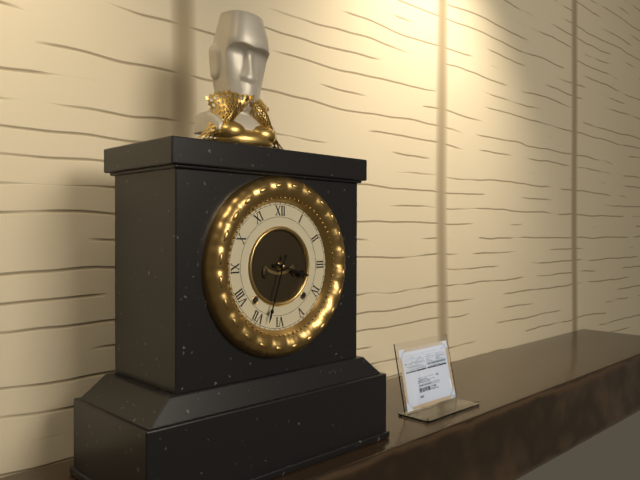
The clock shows 3:33
